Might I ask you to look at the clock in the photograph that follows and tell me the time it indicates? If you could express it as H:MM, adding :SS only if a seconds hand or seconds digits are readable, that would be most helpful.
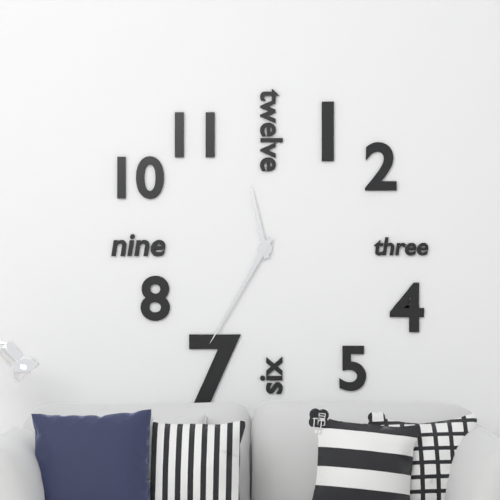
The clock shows 11:35
